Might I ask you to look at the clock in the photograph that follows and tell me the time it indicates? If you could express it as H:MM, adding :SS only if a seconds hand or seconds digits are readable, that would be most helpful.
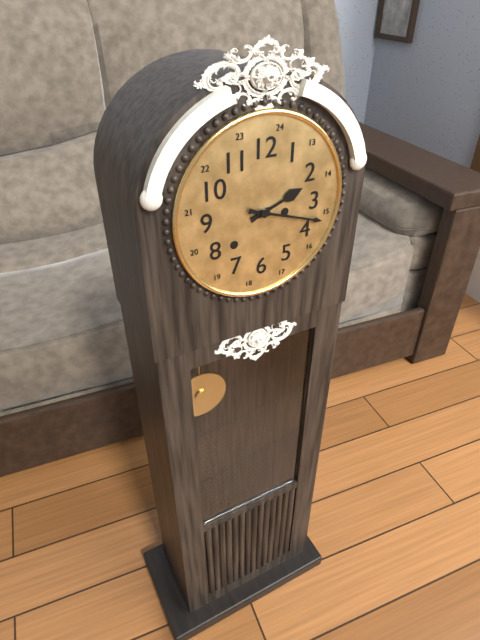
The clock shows 2:18
